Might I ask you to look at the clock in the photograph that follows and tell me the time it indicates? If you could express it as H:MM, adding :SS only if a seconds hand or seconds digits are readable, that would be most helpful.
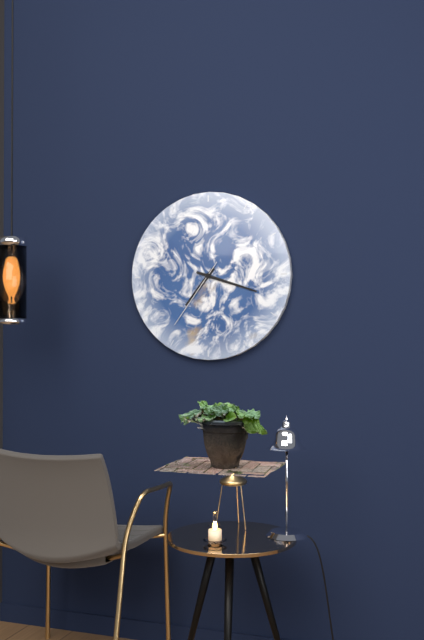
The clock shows 7:18:36
